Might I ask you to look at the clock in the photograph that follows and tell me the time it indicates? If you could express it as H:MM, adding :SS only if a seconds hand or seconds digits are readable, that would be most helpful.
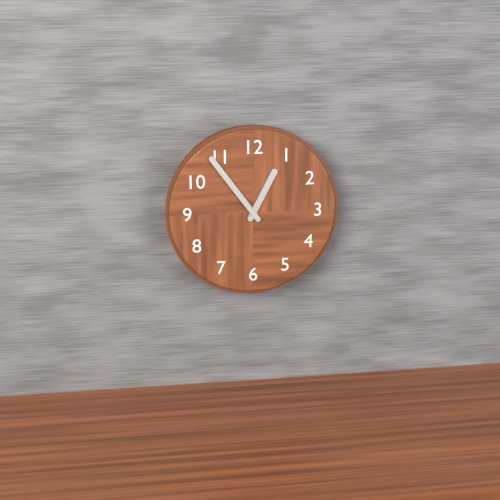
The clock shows 12:54
